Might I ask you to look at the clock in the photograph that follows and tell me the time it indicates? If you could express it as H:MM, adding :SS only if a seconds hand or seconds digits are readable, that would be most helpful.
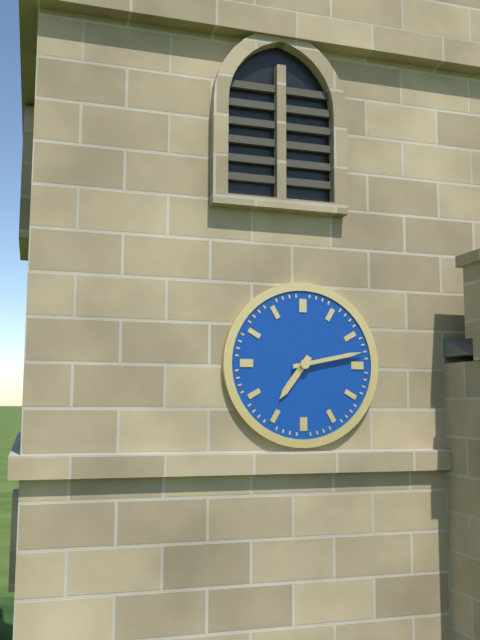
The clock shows 7:13
